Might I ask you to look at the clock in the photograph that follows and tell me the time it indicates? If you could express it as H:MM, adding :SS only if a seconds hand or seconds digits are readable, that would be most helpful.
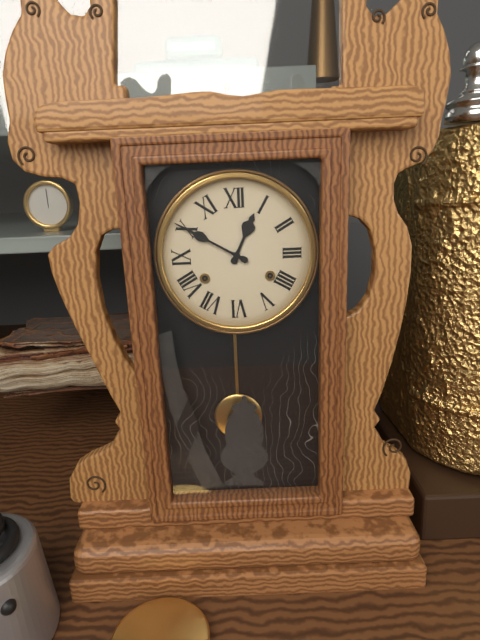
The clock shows 12:50
